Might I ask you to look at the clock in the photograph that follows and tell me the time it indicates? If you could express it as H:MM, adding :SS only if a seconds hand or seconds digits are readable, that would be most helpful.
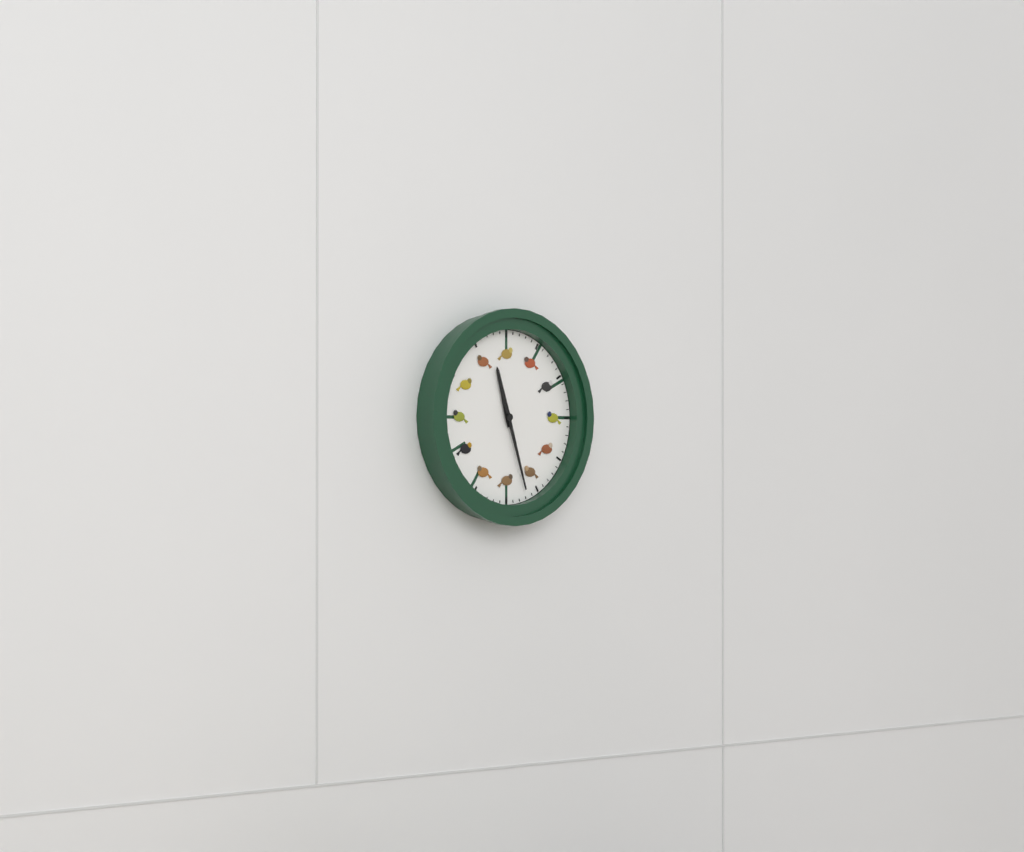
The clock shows 11:27
